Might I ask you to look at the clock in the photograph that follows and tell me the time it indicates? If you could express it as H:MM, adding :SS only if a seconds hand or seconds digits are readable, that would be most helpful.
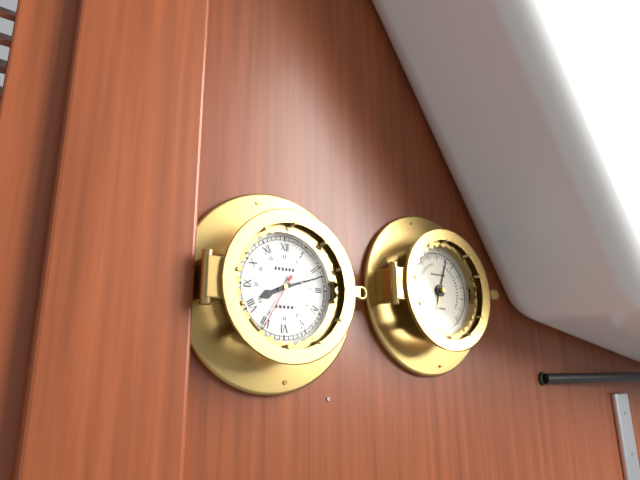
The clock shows 8:12:35
